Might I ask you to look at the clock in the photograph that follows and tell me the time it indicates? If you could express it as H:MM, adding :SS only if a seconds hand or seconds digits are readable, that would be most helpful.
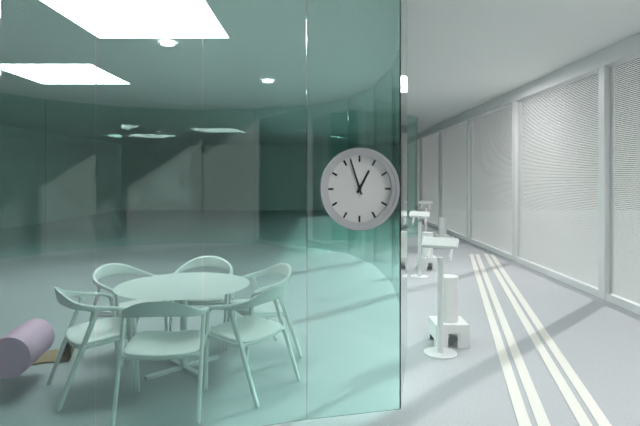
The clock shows 12:57
